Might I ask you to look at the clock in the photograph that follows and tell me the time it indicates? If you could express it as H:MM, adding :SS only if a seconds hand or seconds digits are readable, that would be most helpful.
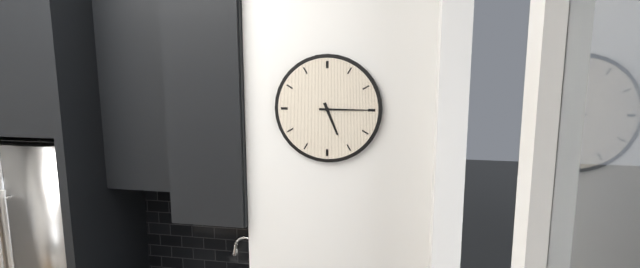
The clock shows 5:15
